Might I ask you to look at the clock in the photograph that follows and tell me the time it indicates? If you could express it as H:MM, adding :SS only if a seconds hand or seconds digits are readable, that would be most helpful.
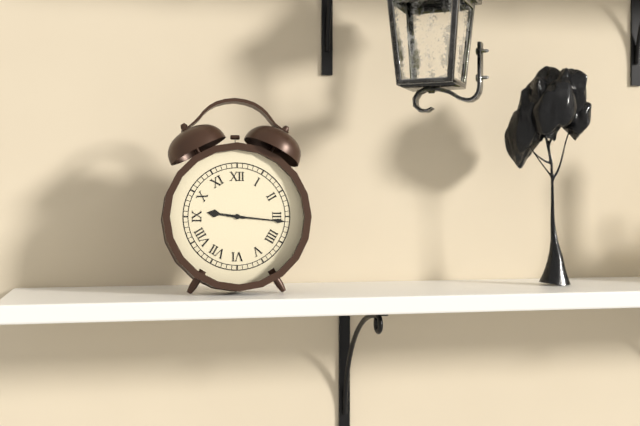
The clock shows 9:16
